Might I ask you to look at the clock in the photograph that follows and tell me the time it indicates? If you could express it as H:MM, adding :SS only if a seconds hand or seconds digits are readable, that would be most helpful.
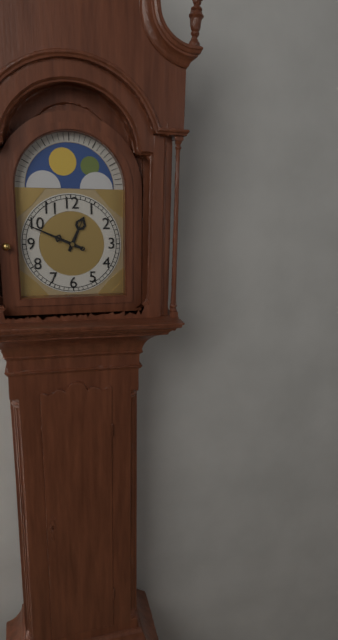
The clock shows 12:49
